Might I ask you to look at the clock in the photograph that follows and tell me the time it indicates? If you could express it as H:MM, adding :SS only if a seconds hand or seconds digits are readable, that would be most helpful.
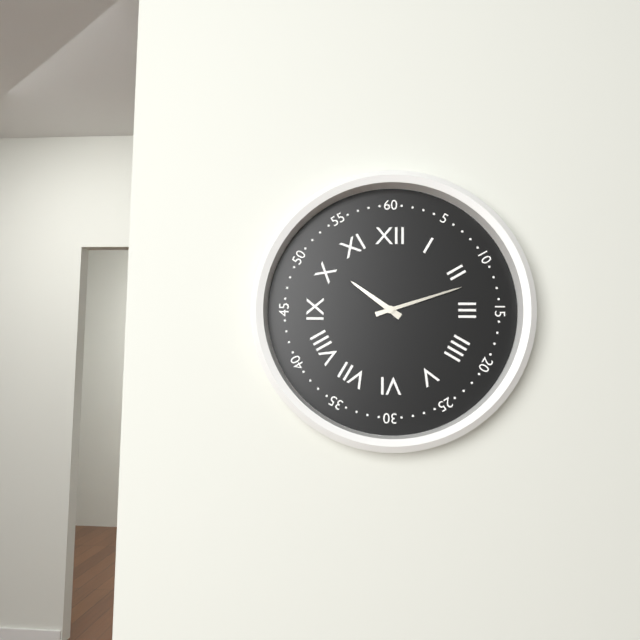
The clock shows 10:12
